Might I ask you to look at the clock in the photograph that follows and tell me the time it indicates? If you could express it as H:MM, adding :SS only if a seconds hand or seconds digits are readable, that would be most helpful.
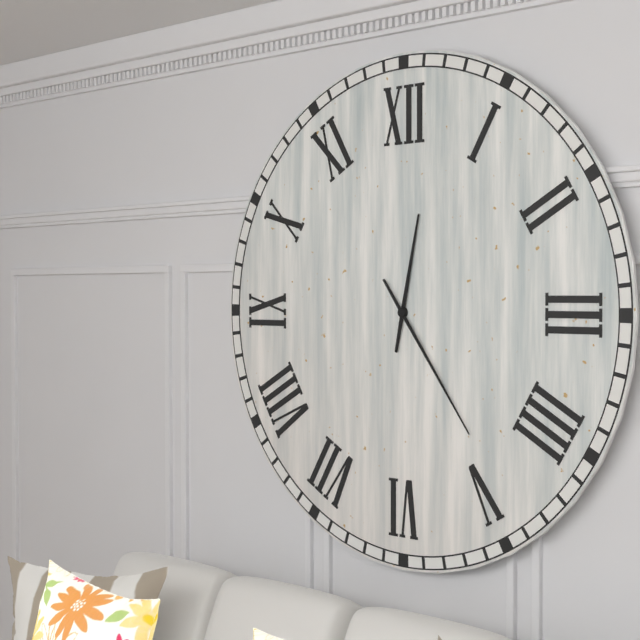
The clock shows 12:24
